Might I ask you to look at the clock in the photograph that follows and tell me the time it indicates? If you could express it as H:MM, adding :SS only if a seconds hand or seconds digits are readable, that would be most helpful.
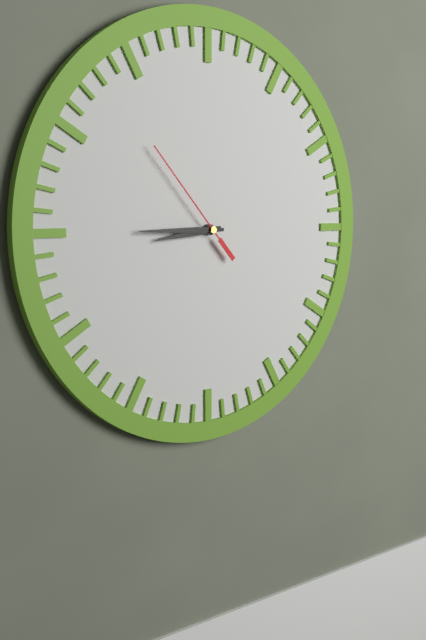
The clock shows 8:45:53
